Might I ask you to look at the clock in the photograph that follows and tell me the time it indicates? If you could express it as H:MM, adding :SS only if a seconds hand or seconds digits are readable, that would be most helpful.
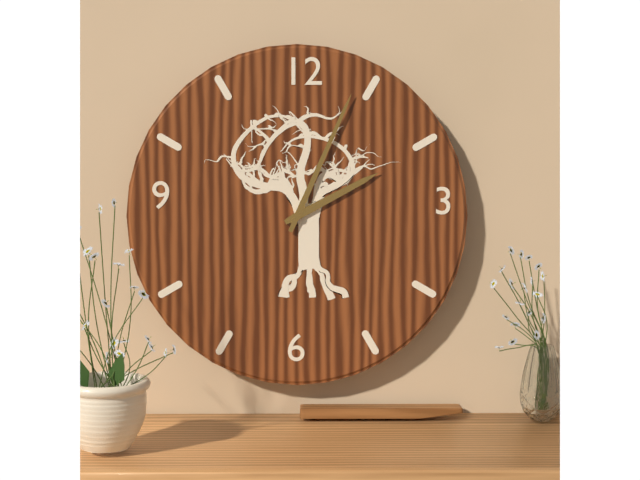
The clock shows 2:04
